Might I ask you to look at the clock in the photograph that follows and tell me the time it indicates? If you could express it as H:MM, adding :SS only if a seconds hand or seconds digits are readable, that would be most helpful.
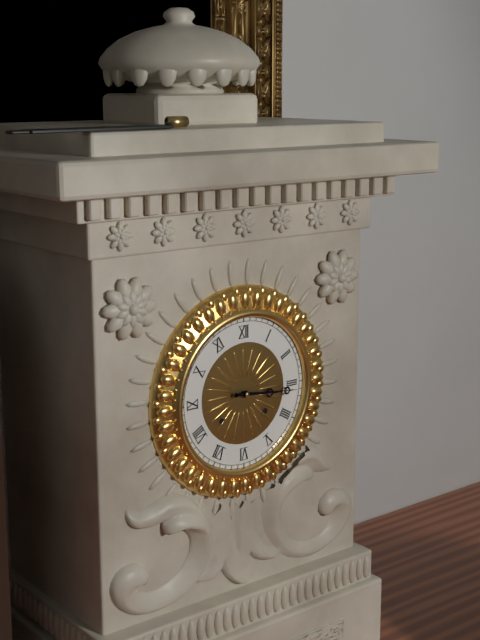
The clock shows 3:16
